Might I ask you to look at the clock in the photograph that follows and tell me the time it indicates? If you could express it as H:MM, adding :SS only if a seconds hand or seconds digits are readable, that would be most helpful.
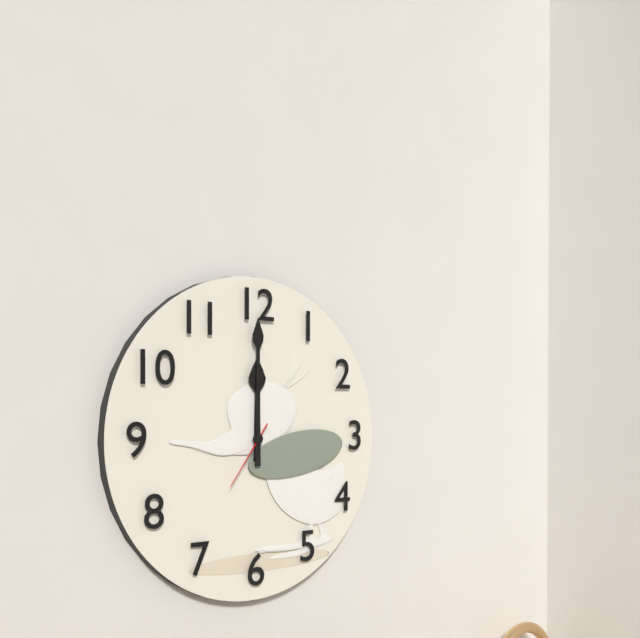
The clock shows 12:00:36
